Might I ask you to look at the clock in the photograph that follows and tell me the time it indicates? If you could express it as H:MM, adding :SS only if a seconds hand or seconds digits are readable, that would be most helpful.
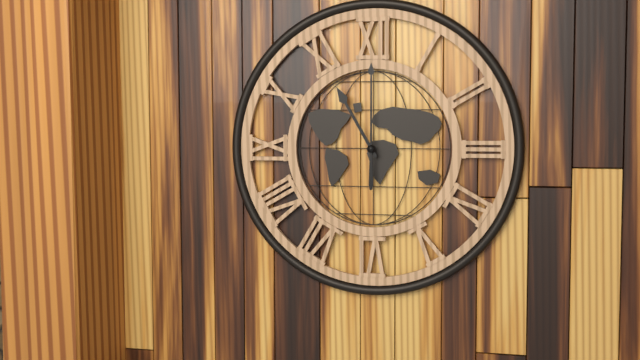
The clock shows 11:00
